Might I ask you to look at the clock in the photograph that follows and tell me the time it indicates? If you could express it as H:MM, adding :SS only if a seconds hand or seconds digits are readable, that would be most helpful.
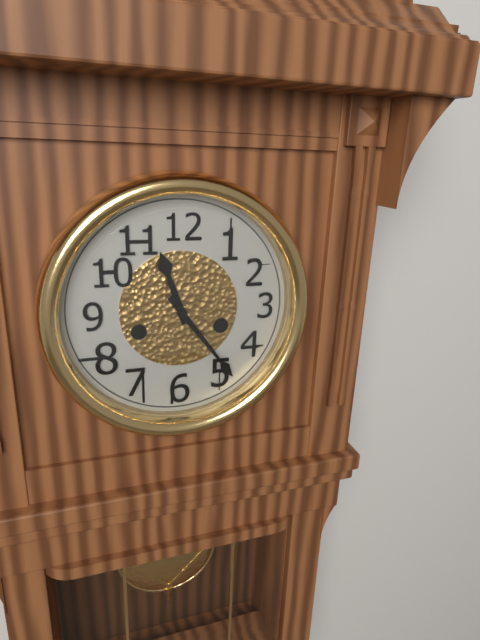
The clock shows 11:24
